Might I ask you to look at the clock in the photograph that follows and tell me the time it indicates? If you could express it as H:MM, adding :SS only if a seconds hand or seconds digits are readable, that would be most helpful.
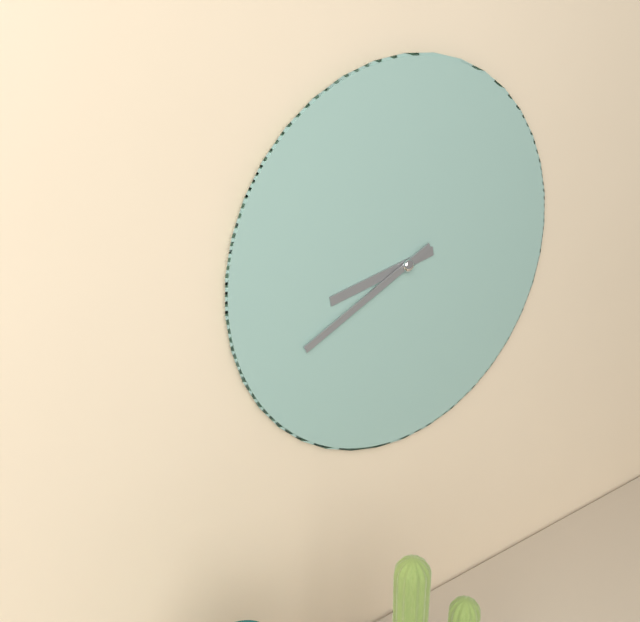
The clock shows 8:41
